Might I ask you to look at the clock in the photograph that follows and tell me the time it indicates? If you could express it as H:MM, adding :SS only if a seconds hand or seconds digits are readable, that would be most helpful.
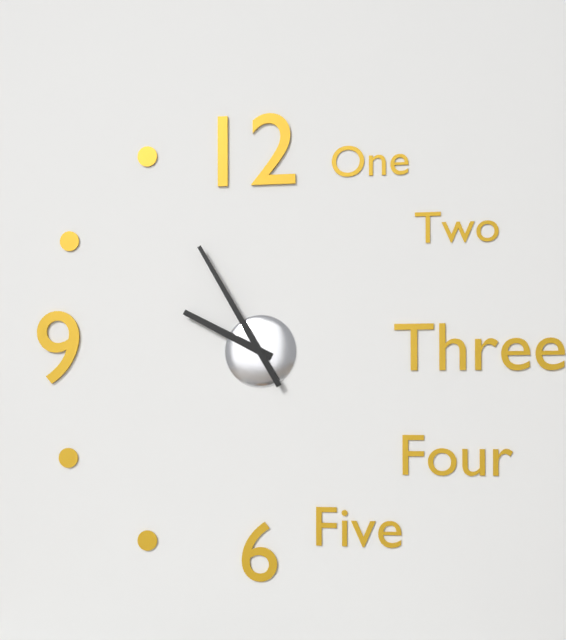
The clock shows 9:55
